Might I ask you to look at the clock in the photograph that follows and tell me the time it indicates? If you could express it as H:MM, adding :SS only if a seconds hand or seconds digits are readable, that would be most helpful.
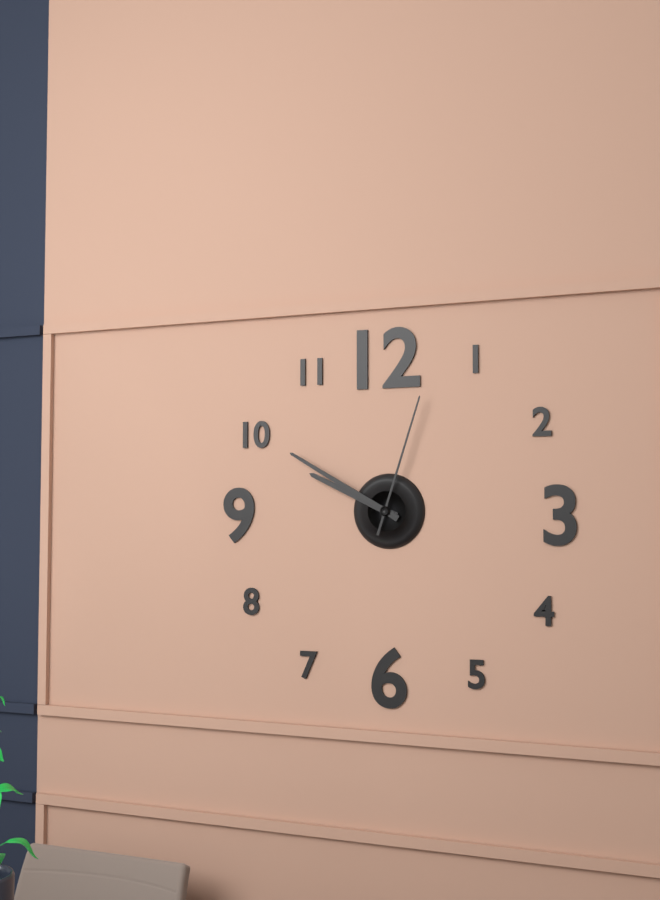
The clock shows 9:50:03
